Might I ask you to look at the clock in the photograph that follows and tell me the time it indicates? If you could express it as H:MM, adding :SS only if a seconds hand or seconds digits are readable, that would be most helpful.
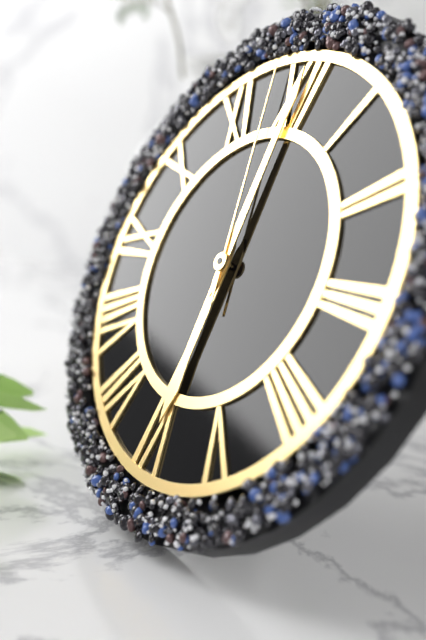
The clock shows 6:00:58
